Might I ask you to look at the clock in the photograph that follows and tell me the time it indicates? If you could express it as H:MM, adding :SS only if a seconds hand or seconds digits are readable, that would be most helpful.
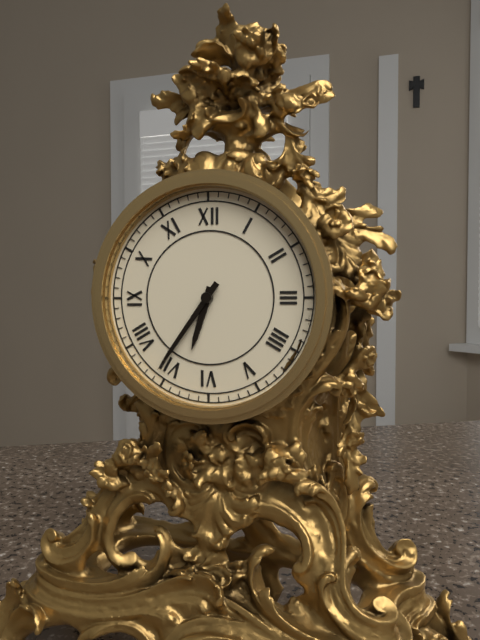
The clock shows 6:36
